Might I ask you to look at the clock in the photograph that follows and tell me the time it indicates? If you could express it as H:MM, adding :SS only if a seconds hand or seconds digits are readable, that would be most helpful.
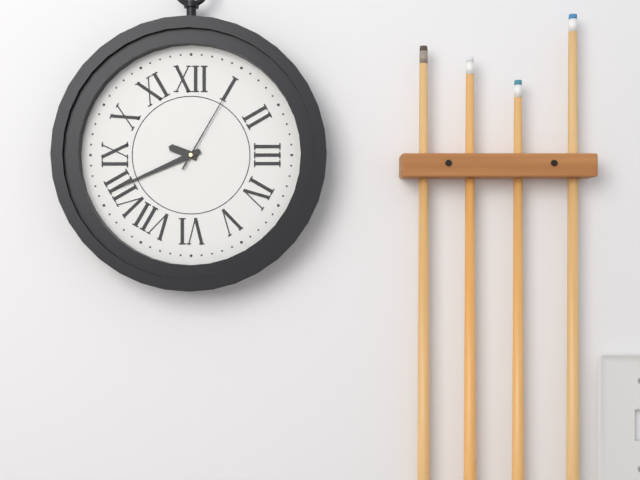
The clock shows 9:41:05
